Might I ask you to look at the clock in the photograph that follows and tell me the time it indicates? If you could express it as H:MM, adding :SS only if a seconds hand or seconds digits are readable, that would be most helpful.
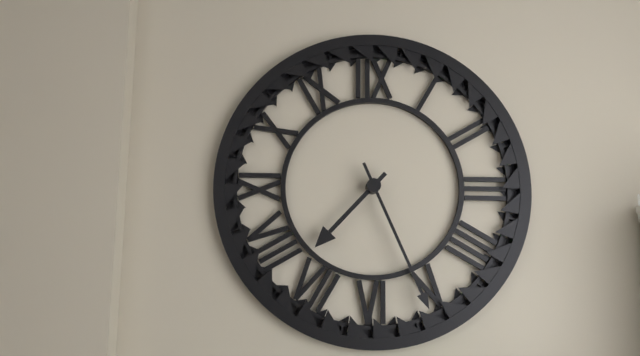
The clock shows 7:26
